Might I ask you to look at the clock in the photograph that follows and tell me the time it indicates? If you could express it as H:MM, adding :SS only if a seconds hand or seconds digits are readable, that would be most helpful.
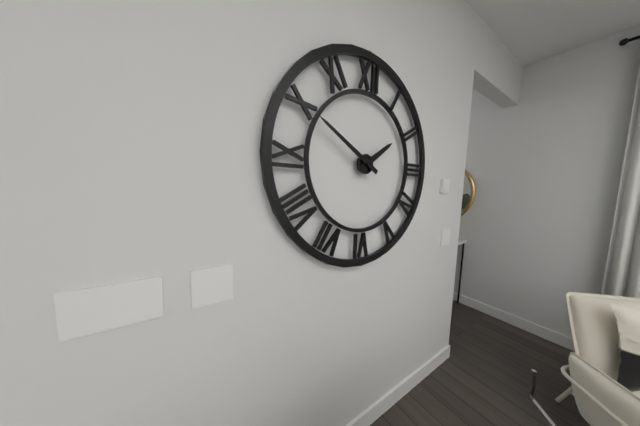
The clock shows 1:50
